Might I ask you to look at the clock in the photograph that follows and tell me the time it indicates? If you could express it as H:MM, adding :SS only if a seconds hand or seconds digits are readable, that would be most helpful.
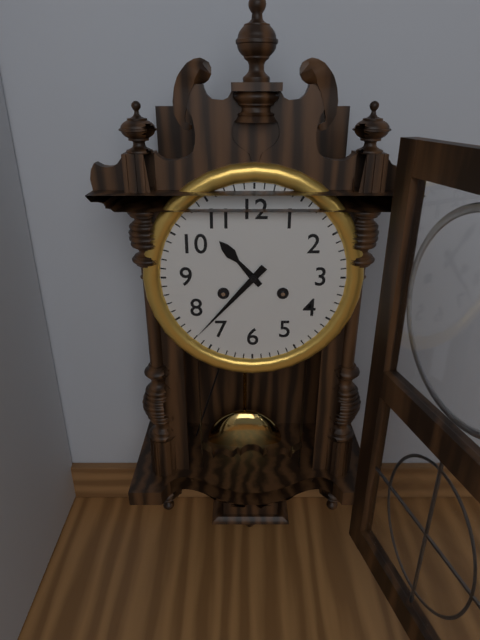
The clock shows 10:37
